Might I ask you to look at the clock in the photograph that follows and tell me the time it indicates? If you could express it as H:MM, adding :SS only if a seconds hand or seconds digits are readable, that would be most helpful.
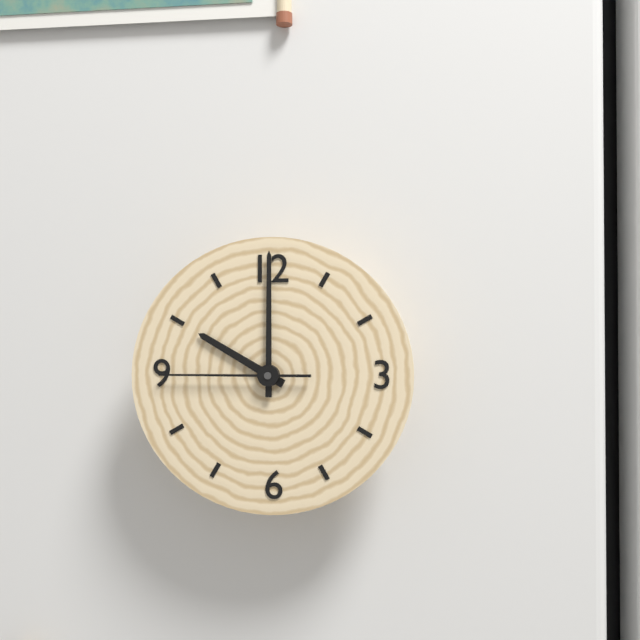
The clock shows 10:00:45
